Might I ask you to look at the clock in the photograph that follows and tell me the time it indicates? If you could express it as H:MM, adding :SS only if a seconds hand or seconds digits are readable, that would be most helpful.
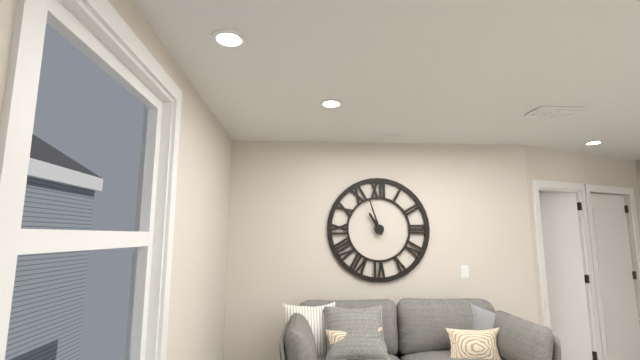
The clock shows 10:57
